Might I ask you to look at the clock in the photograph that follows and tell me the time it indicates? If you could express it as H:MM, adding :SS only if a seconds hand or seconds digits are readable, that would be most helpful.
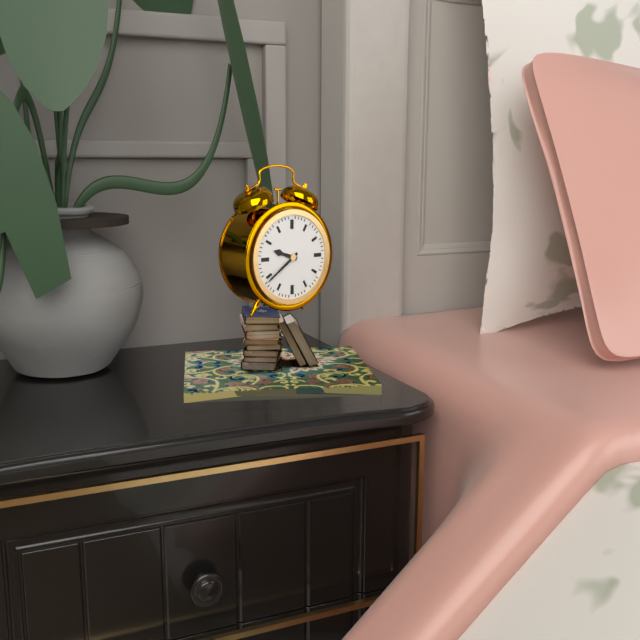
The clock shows 9:39
